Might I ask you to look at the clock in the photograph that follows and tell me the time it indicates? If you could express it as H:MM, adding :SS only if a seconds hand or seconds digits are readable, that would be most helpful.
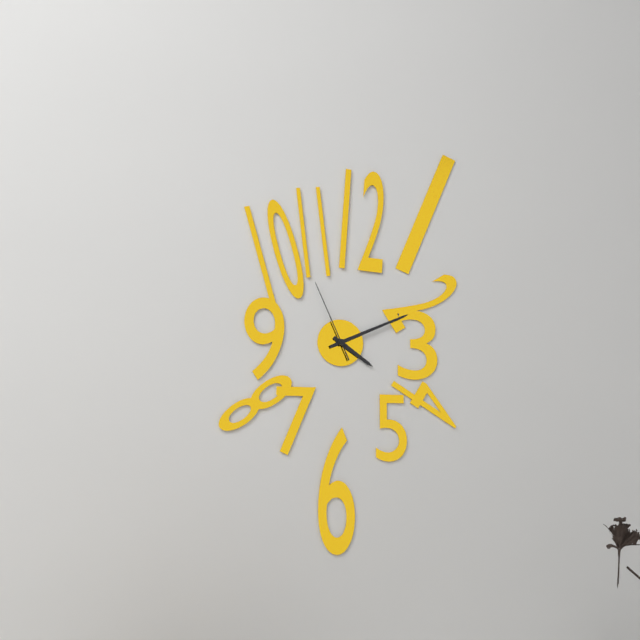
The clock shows 4:11:56
